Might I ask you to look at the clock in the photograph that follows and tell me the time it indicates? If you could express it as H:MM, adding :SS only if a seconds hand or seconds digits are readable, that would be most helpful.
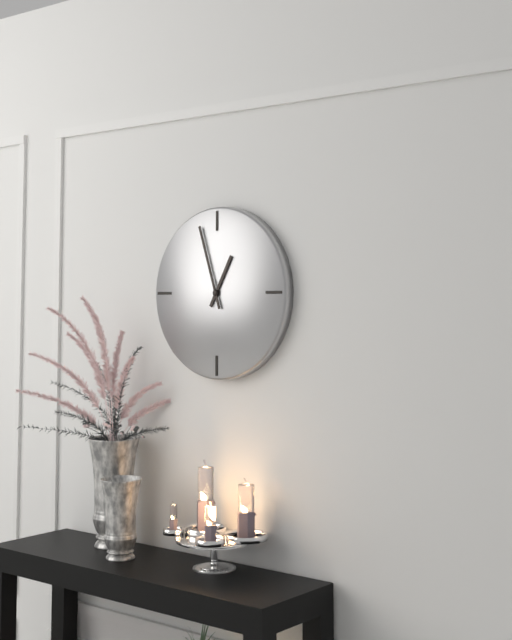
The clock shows 12:57
